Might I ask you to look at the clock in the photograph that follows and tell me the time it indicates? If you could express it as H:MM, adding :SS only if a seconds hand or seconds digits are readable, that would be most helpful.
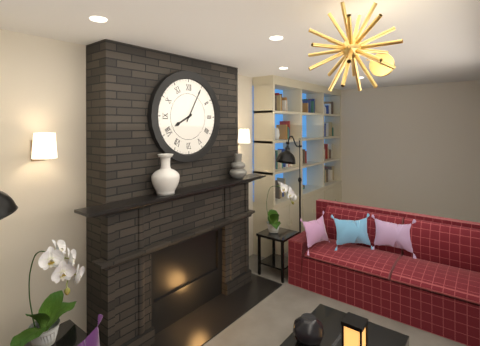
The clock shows 8:05
